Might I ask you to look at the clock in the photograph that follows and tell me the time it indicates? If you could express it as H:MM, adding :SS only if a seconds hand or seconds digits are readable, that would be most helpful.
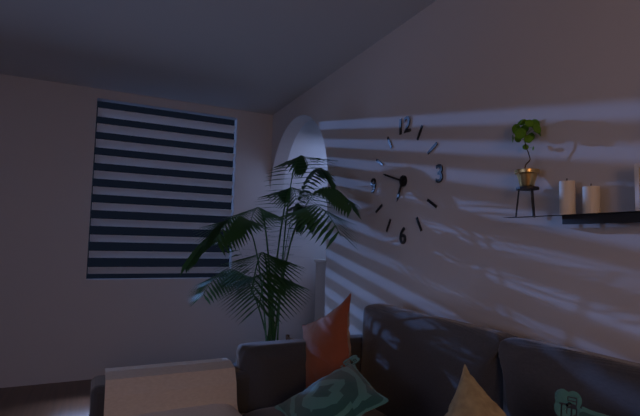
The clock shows 6:48
